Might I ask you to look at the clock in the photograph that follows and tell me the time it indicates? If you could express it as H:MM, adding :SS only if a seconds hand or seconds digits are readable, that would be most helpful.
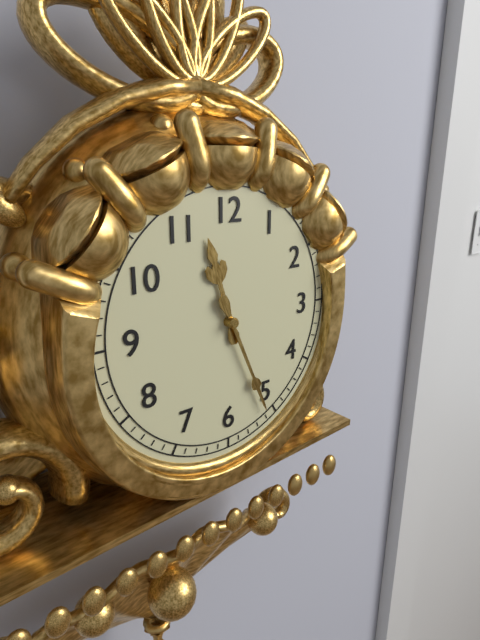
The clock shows 11:26
